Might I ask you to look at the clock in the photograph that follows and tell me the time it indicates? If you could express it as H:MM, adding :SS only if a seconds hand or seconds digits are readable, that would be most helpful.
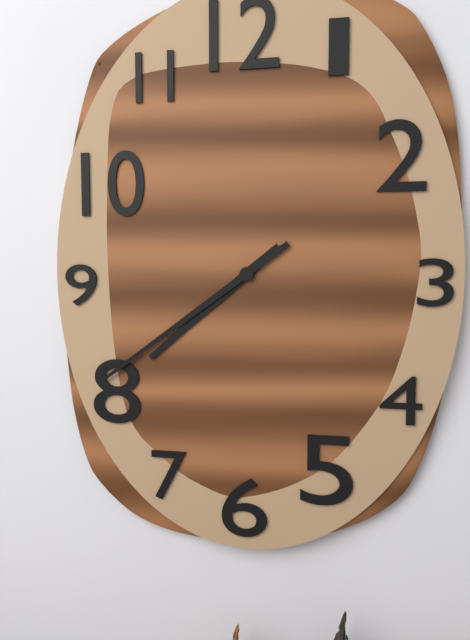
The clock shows 7:39
